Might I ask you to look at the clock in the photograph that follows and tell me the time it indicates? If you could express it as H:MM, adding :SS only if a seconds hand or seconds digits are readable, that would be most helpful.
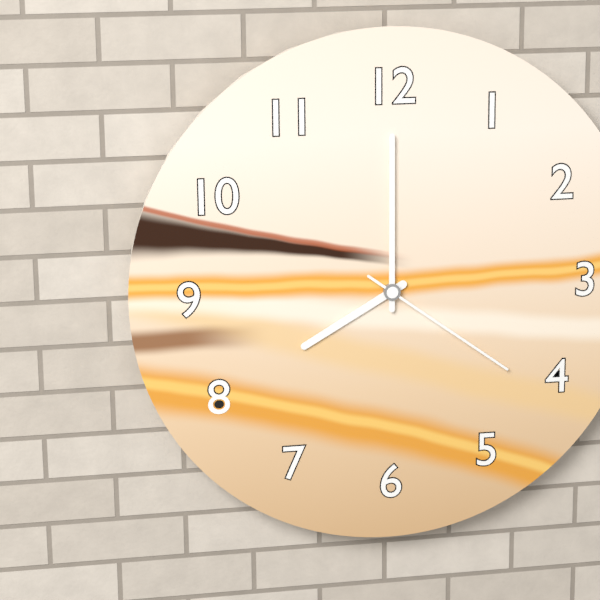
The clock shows 8:00:21
